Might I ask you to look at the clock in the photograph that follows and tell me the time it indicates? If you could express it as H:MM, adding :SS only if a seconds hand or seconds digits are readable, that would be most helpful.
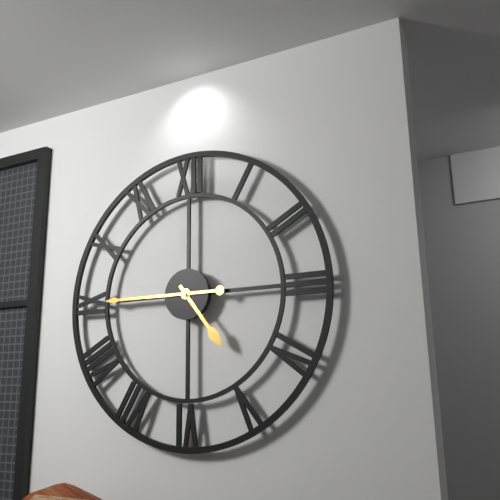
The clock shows 4:45
